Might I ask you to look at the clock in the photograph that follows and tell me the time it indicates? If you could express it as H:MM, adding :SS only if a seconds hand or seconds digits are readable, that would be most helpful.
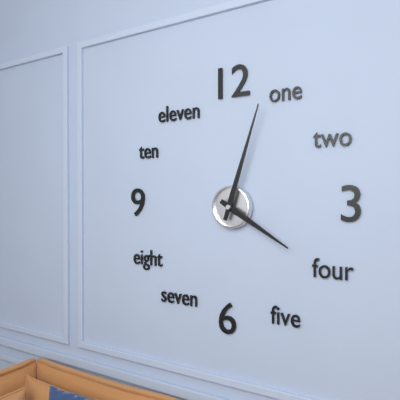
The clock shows 4:03
